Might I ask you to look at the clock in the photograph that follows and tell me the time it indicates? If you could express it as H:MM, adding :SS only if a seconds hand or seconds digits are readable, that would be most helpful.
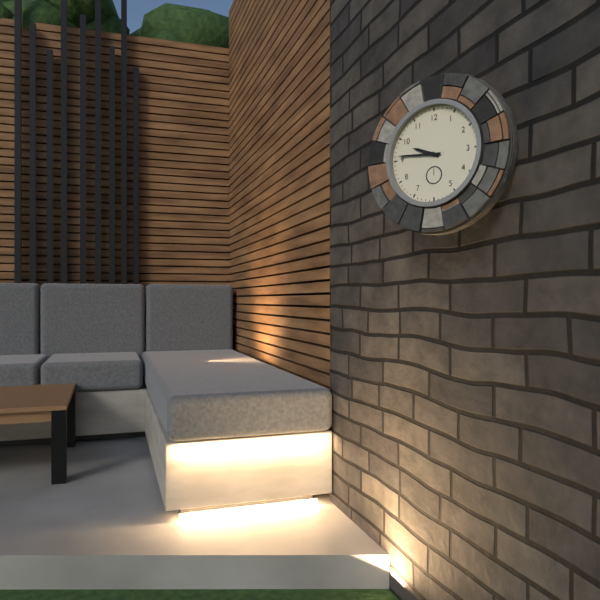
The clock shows 9:46
